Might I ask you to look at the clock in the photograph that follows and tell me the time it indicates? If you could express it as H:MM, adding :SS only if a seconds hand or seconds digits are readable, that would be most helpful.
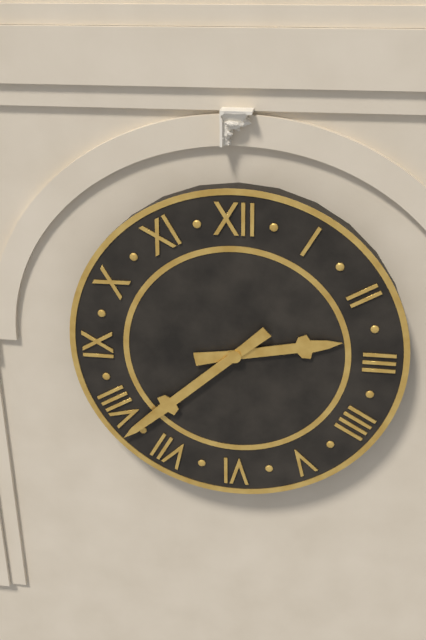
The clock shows 2:38
